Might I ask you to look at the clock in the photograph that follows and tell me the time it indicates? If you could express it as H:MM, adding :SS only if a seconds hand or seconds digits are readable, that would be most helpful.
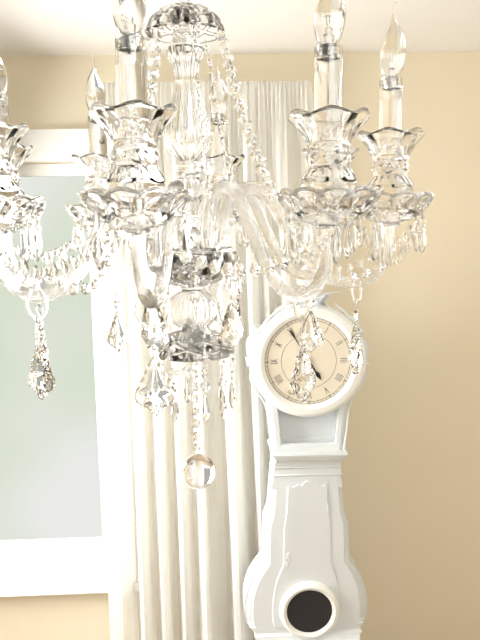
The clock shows 4:55
